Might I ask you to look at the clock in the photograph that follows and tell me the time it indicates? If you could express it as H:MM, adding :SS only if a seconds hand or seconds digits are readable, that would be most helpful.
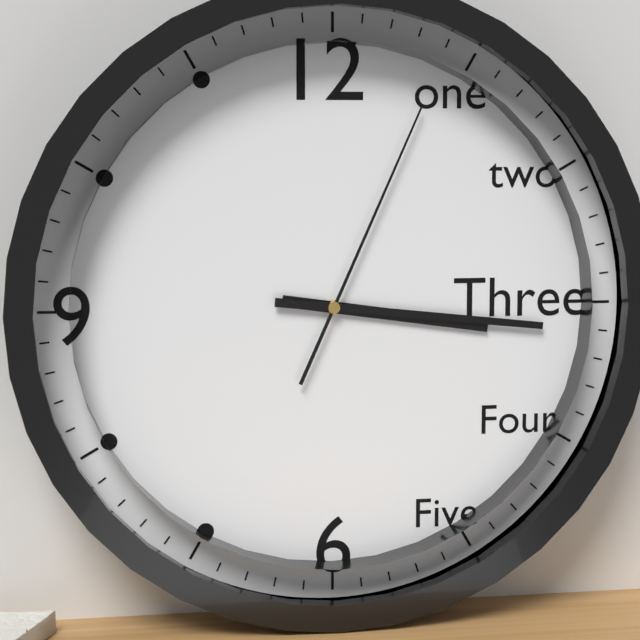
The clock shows 3:16:04
